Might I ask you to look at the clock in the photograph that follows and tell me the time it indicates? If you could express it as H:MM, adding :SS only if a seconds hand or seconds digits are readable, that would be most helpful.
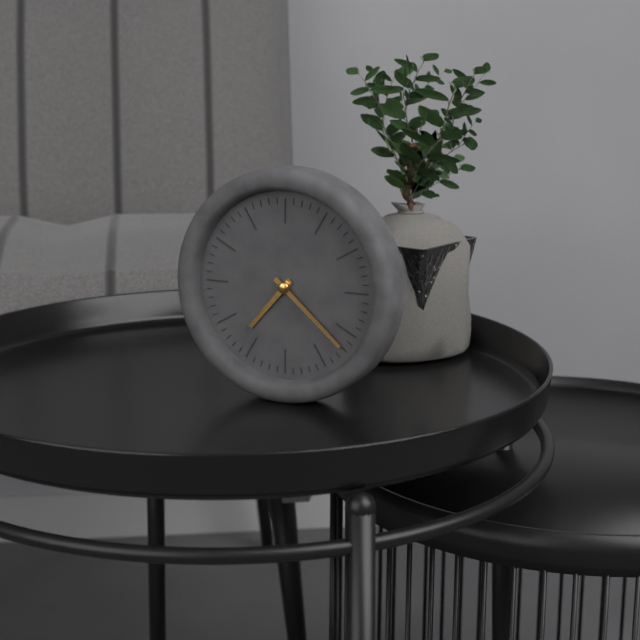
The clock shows 7:22
